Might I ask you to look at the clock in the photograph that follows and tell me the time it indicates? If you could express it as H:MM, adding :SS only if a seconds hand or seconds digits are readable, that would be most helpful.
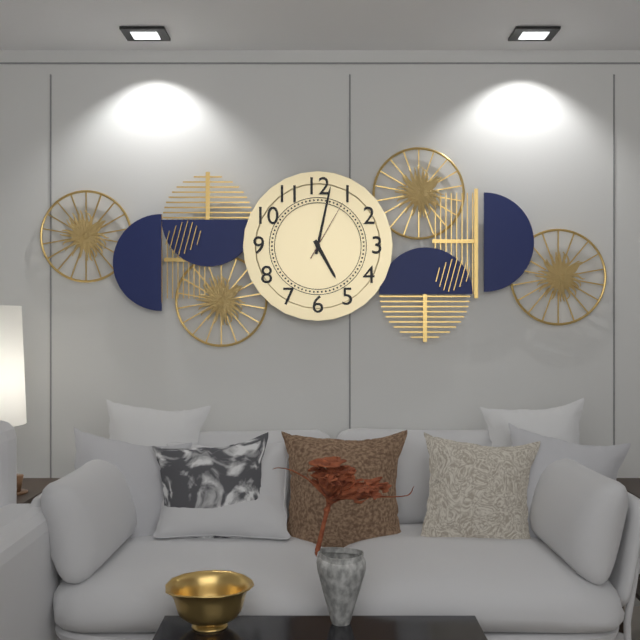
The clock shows 5:02:05
